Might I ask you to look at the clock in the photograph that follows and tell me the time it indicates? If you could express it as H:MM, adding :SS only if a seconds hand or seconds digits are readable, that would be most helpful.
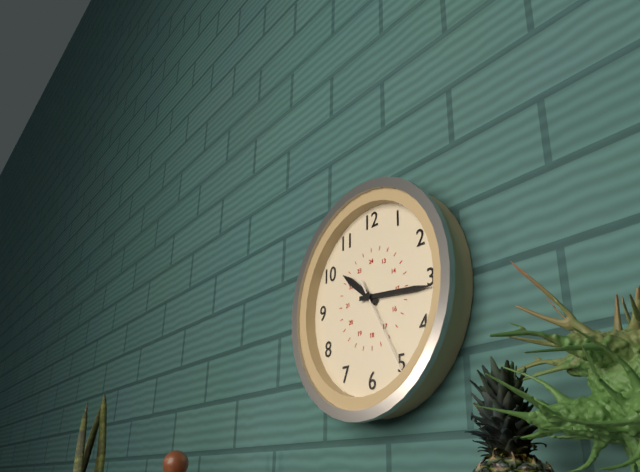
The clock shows 10:16:25
